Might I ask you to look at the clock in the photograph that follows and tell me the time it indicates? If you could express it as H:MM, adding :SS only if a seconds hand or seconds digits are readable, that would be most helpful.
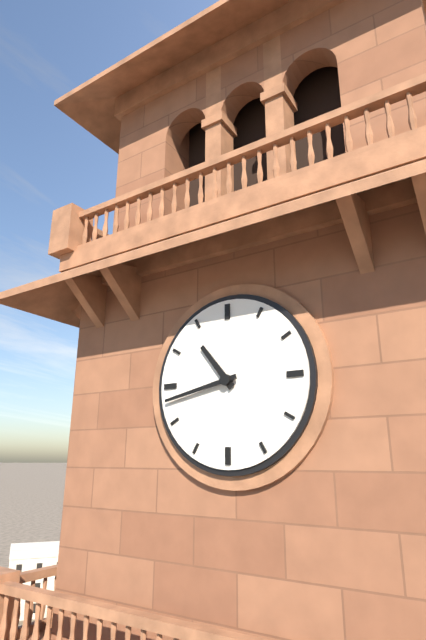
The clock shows 10:43
